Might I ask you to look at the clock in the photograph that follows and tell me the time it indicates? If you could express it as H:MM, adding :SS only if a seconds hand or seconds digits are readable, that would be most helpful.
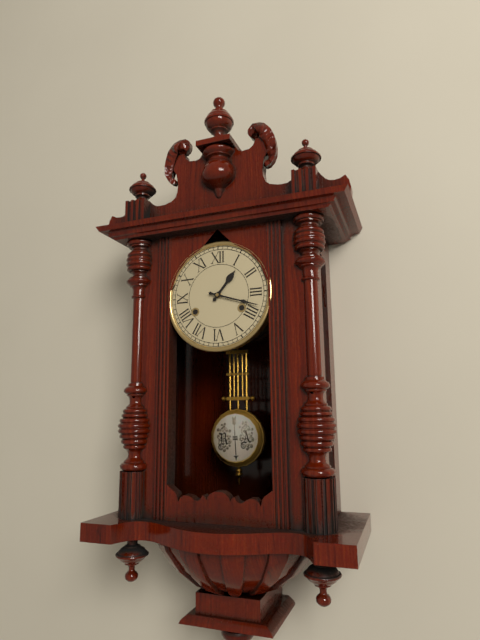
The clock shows 1:18
